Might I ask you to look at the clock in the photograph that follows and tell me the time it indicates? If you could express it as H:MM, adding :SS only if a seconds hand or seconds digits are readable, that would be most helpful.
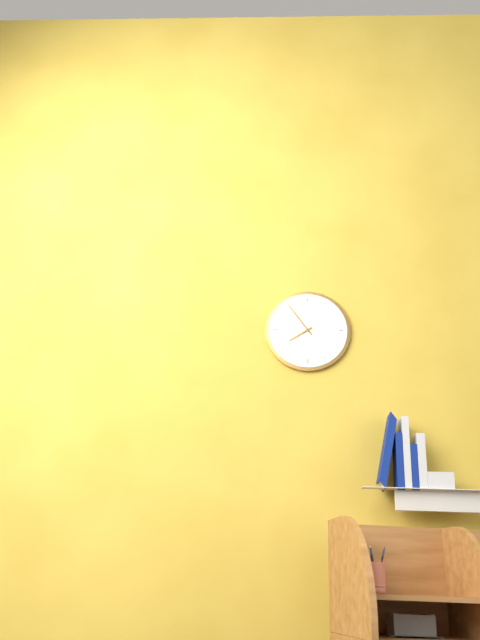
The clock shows 7:54
